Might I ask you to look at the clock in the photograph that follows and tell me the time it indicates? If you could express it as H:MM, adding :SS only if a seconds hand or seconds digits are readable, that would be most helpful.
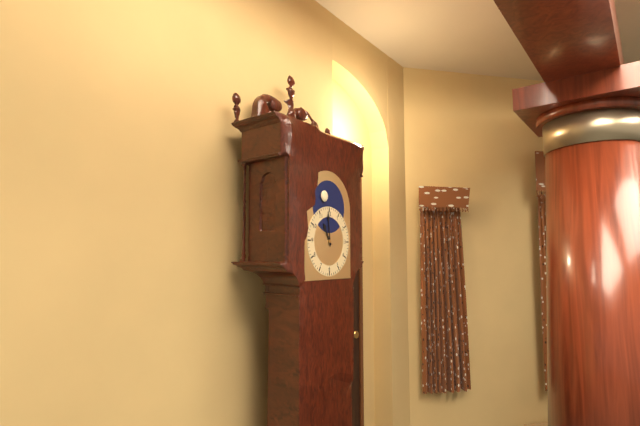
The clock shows 10:59
